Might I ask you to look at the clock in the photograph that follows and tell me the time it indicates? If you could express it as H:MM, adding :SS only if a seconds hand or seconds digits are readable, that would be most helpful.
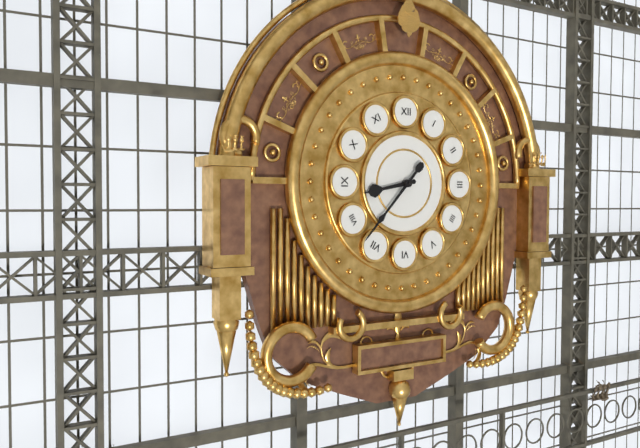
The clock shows 8:37
